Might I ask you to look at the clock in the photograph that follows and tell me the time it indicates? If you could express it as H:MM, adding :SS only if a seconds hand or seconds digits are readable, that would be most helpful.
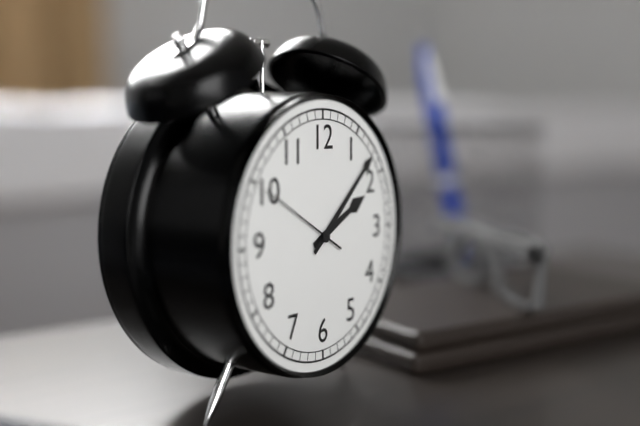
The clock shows 2:08:50
